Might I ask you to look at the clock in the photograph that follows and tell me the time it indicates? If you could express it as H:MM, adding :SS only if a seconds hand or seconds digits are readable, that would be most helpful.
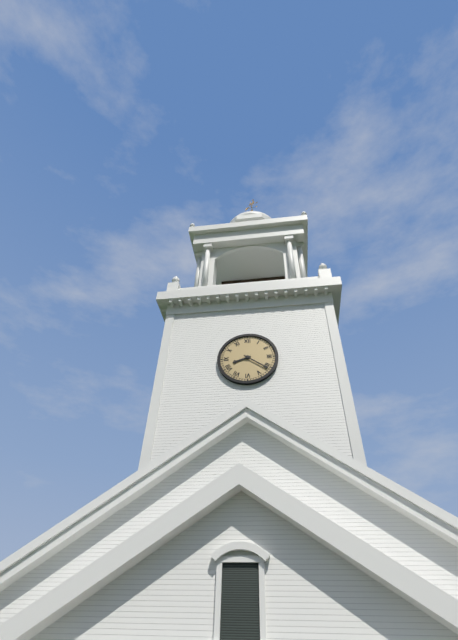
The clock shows 8:21
